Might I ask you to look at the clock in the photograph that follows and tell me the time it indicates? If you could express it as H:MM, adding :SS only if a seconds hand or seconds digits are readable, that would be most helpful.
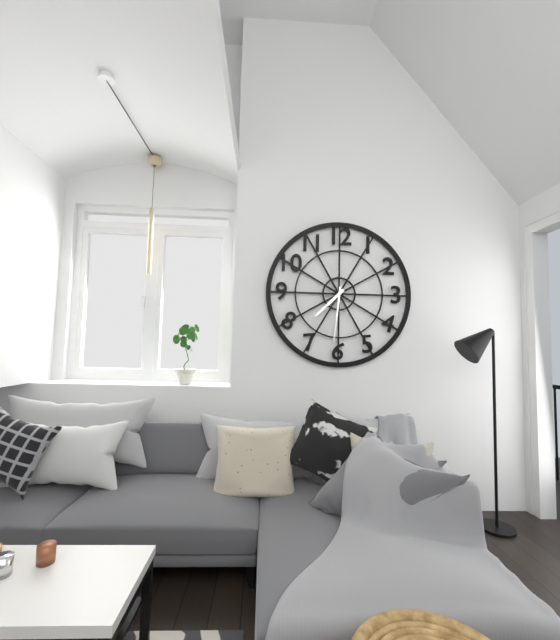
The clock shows 7:31
